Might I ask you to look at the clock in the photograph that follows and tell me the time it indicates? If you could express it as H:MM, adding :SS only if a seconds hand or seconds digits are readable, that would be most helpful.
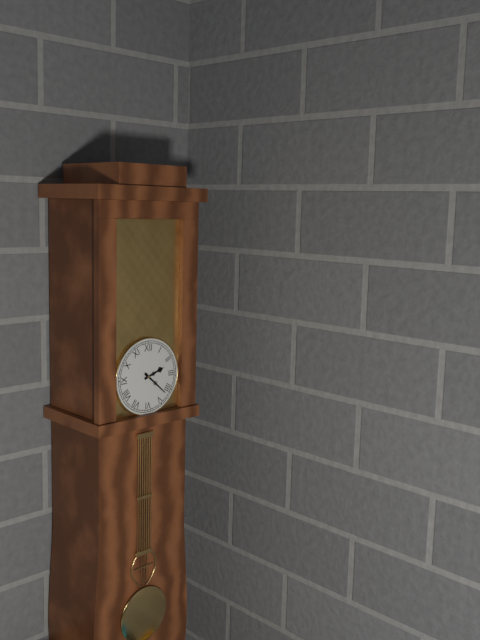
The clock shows 2:22
